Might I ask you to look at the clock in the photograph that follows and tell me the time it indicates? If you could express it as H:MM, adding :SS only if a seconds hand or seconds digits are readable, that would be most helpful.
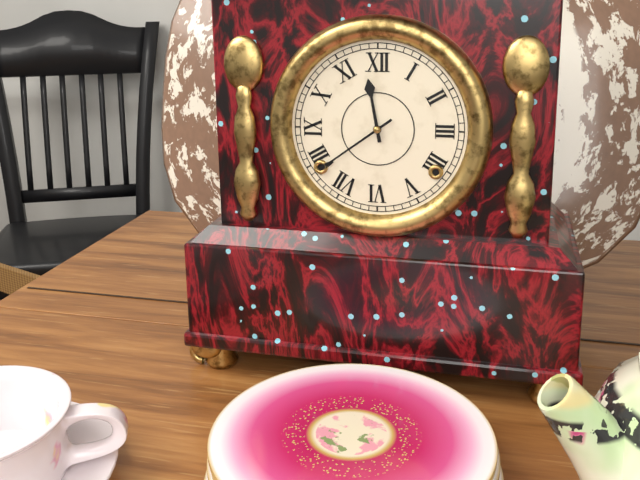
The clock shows 11:39
